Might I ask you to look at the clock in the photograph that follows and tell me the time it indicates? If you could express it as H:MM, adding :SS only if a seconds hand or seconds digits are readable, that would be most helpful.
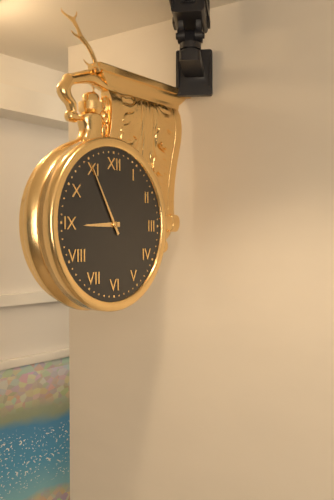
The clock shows 8:55
